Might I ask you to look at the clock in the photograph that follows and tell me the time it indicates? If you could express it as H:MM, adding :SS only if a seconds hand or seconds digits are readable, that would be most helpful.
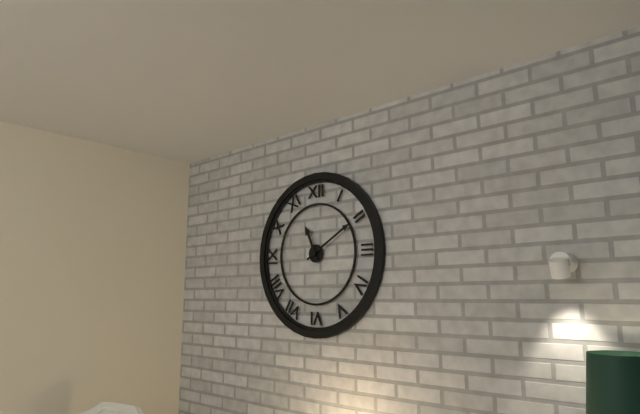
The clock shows 11:10
